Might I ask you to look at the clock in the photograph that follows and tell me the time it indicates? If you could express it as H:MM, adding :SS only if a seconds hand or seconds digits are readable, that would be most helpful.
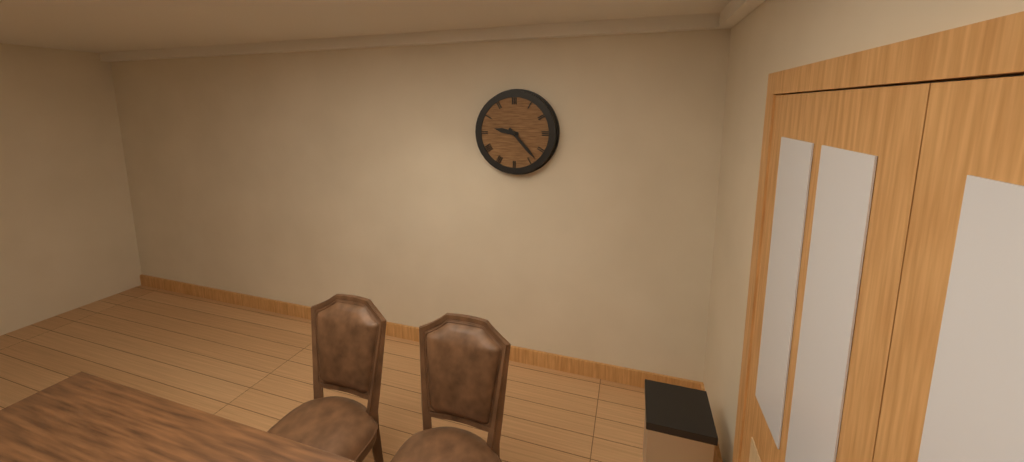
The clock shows 9:23
